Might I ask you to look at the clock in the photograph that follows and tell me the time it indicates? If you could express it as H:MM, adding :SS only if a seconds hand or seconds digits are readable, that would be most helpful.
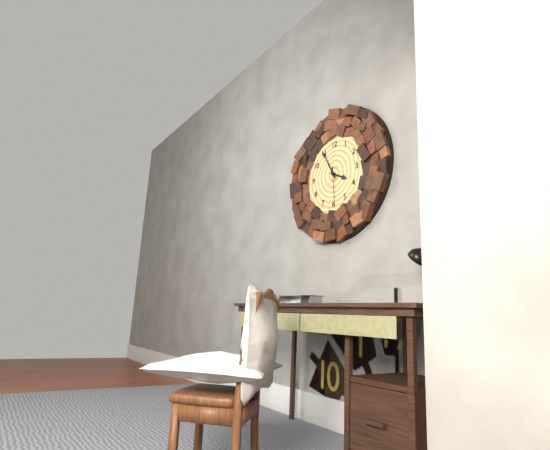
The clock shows 3:55
